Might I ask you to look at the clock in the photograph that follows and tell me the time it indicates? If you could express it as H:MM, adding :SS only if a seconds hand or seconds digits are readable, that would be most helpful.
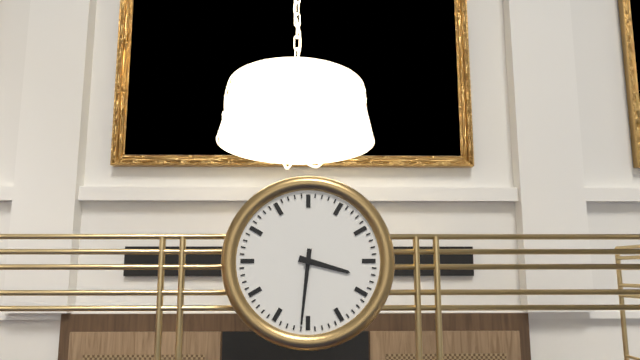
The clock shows 3:31
